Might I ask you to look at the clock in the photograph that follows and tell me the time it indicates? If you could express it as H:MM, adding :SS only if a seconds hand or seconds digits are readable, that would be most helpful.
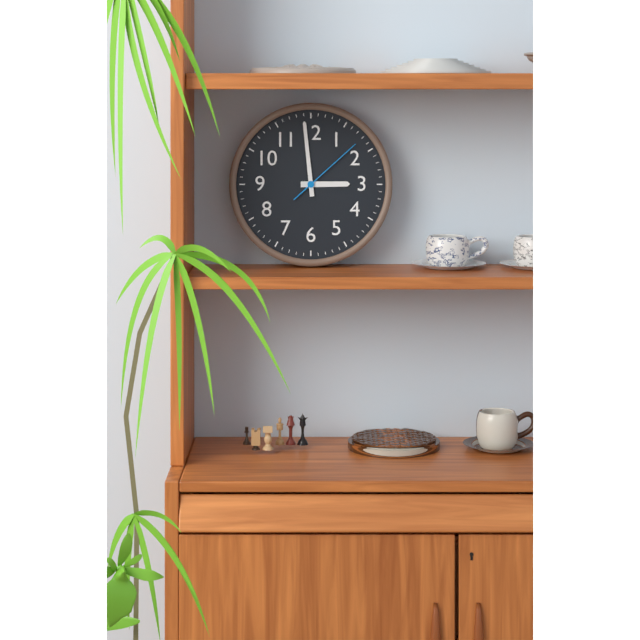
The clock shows 2:59:08
